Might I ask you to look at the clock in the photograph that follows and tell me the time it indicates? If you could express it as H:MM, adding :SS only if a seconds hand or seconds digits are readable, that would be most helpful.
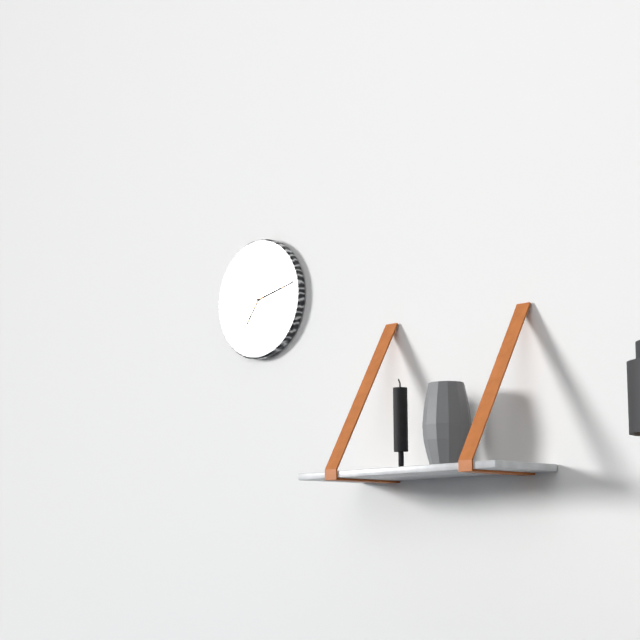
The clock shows 7:13
